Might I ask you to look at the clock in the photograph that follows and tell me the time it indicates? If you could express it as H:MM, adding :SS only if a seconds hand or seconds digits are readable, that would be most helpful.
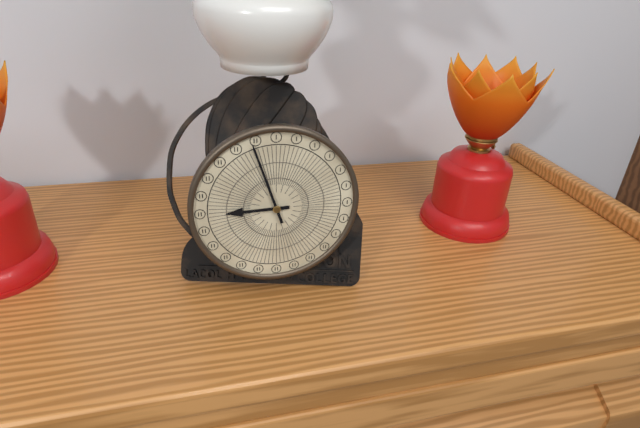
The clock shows 8:57
